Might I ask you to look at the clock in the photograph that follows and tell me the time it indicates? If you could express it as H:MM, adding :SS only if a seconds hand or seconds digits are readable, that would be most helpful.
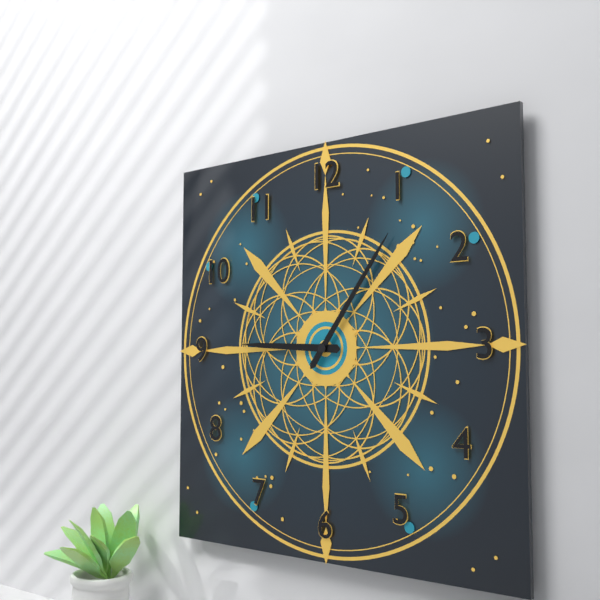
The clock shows 9:06
